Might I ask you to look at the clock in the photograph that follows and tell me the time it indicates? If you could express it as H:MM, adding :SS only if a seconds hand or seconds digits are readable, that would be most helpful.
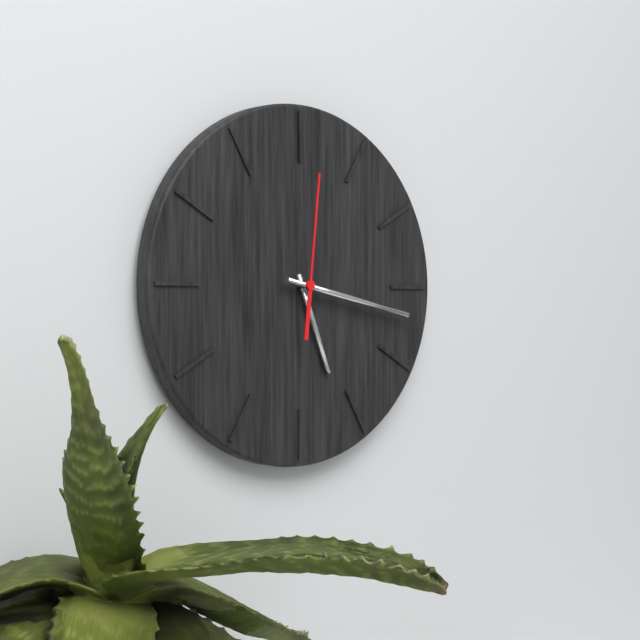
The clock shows 5:17:01
